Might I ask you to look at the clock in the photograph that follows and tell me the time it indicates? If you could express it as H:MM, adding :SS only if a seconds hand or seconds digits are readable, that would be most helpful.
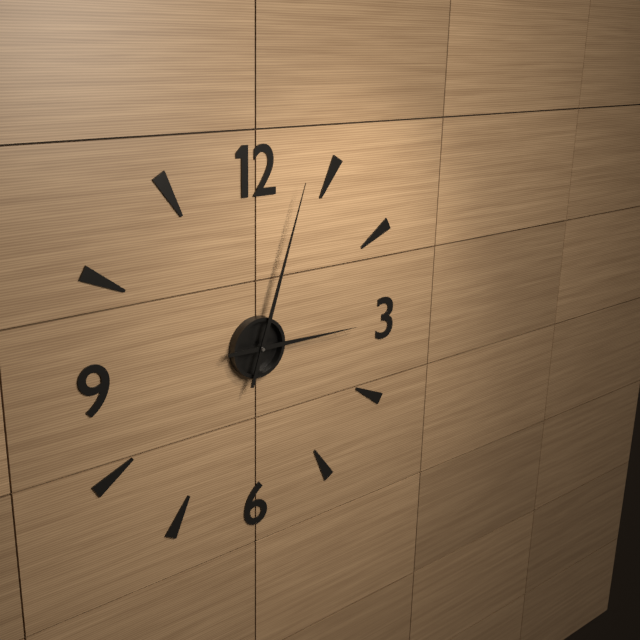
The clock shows 3:03
